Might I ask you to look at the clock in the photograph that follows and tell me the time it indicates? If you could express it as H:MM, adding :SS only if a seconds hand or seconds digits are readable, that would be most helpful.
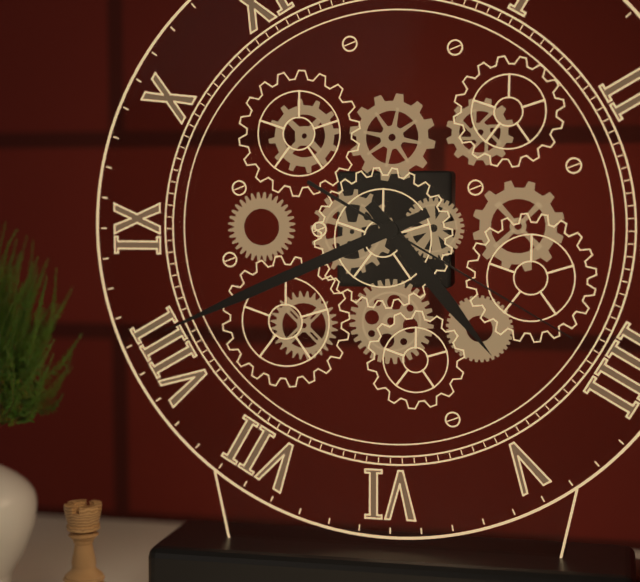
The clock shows 4:41:20
